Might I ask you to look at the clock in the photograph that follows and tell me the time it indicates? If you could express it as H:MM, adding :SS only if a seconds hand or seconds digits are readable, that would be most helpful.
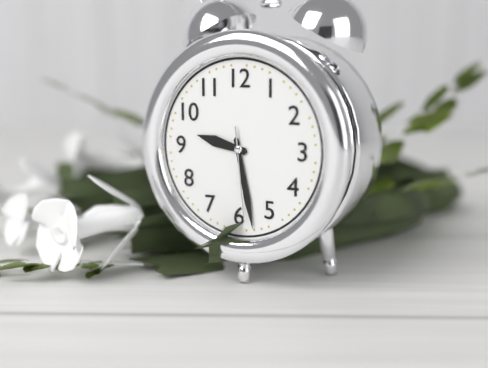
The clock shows 9:28:29
